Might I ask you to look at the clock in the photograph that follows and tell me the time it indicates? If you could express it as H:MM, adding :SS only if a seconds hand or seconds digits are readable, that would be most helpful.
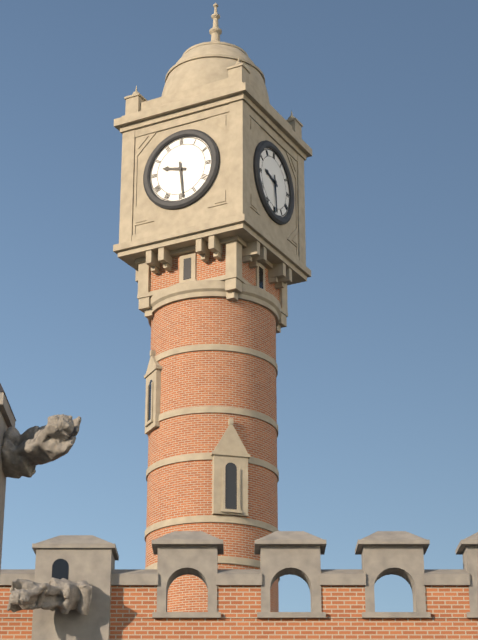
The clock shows 9:29
